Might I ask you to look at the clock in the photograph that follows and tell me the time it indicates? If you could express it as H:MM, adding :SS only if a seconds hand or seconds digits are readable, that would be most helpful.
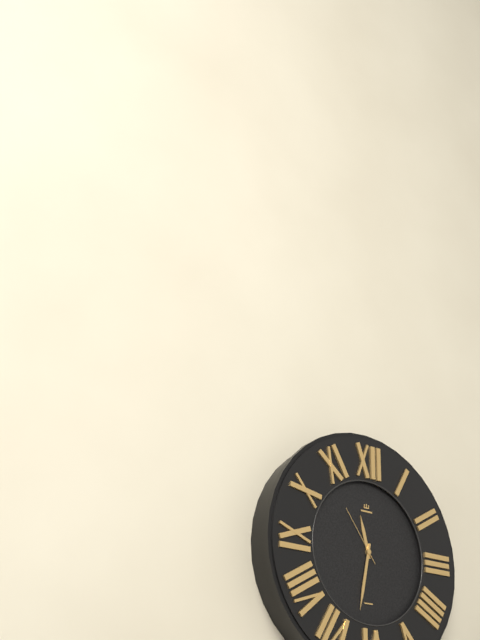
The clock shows 11:32:54
